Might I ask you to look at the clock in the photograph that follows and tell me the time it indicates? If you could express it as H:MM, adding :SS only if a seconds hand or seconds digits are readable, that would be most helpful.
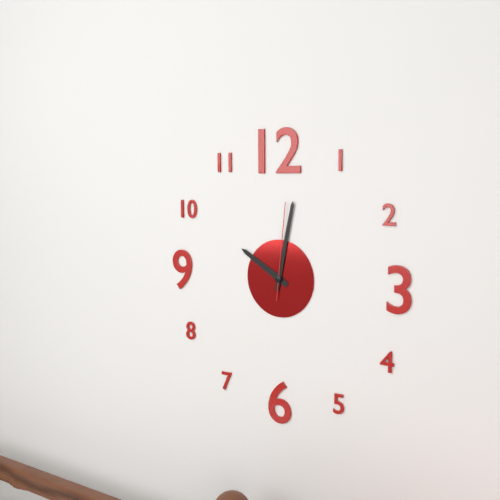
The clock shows 10:02:01
